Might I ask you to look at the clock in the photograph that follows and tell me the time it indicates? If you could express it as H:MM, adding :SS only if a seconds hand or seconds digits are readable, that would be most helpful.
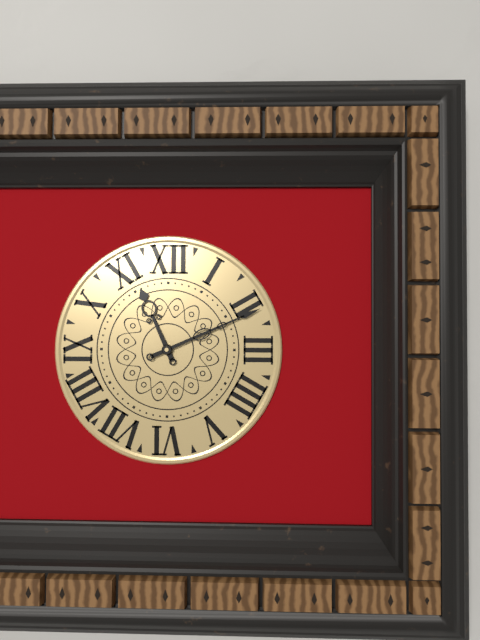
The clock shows 11:11
